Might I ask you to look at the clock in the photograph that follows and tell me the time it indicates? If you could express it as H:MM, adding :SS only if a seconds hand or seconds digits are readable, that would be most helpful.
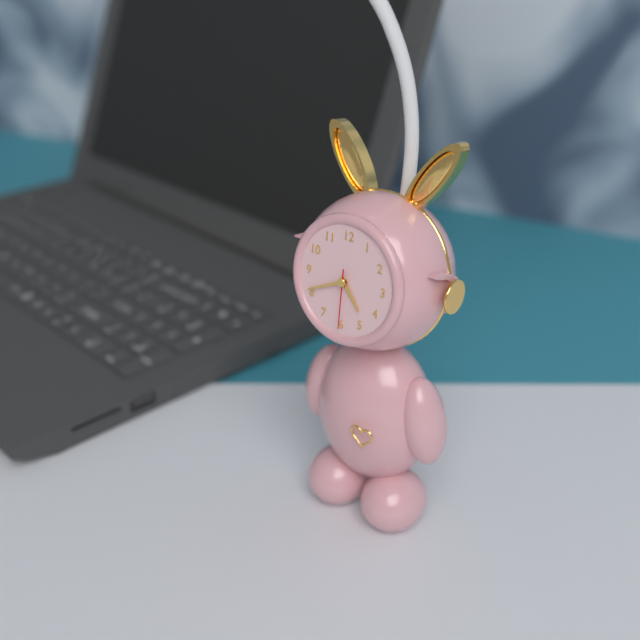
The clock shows 4:41:30
